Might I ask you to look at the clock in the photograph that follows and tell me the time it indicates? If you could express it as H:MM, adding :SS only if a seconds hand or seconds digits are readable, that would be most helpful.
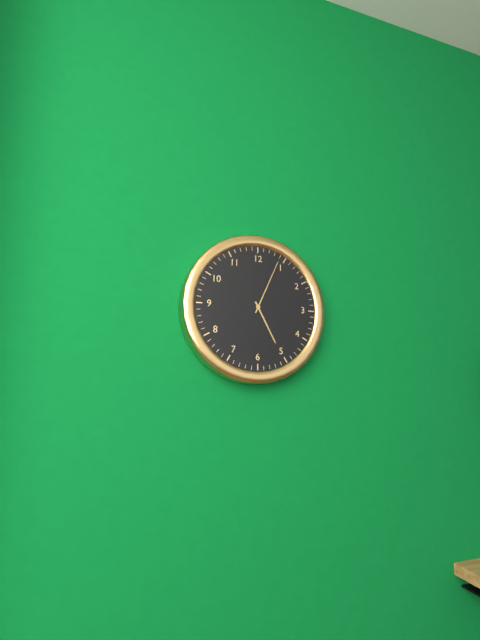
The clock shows 5:04
